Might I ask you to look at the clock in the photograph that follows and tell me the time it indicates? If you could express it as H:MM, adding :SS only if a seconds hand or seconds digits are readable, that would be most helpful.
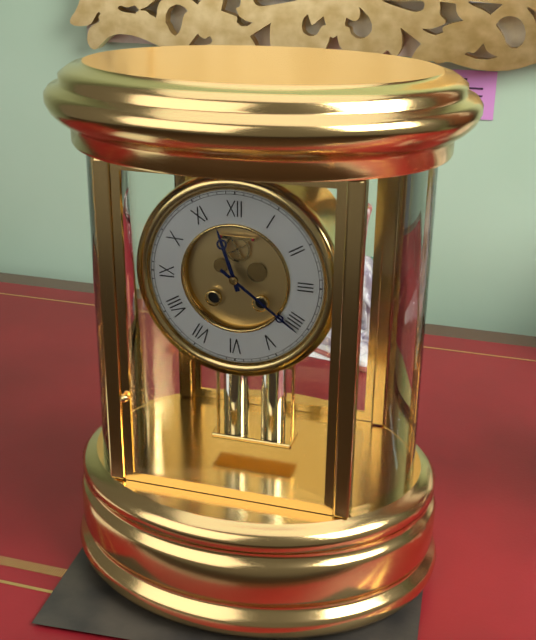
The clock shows 11:21
